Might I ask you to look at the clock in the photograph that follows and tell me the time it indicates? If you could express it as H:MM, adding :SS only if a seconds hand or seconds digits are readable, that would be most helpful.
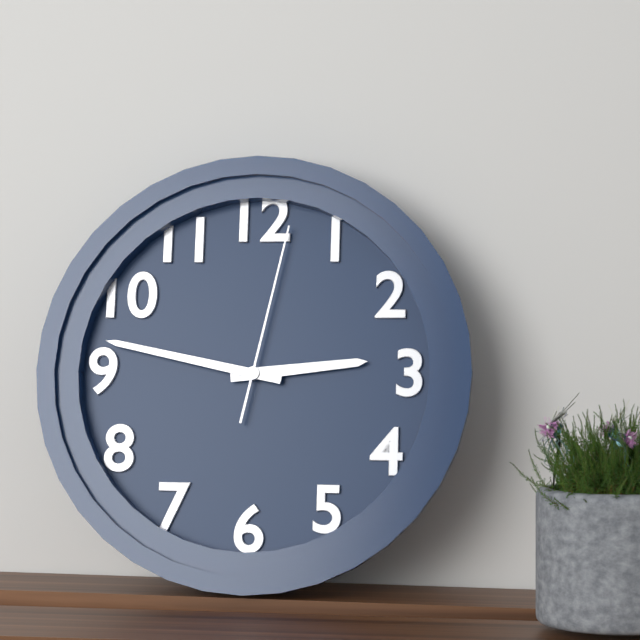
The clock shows 2:47:02
